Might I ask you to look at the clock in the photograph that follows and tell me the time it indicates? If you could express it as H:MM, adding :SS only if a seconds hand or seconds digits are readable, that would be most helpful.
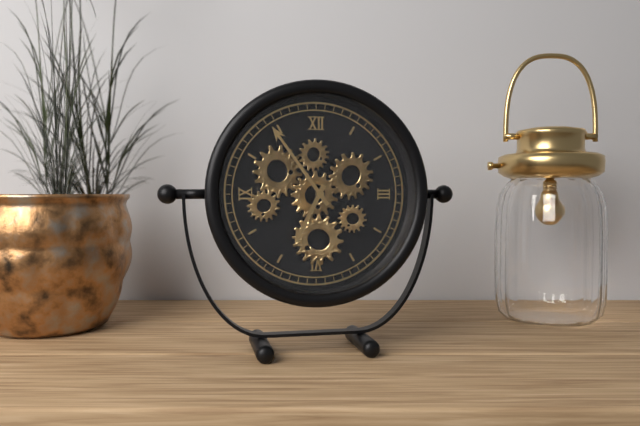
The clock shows 6:54
